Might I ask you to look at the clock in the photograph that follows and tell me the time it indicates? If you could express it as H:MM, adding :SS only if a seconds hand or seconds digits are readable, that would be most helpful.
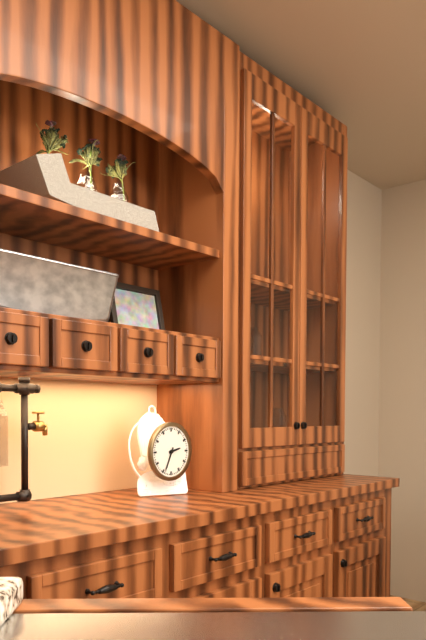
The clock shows 2:34
